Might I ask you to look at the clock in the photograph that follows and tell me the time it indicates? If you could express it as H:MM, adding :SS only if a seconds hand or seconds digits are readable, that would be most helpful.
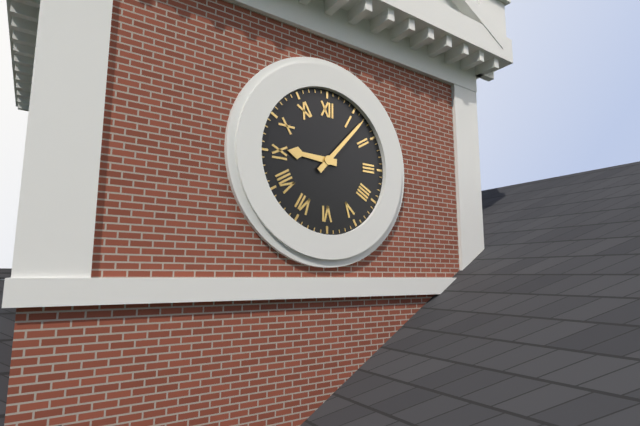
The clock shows 9:07
